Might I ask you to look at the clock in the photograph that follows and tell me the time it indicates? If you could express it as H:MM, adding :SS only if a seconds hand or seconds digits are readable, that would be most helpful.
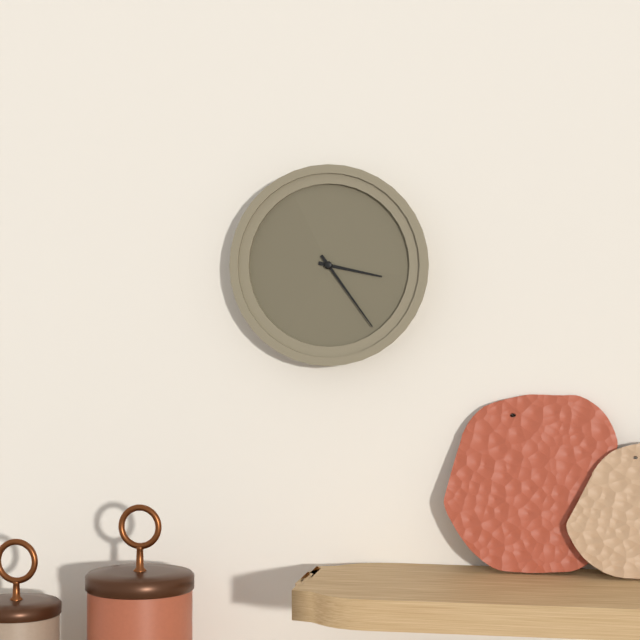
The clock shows 3:24
